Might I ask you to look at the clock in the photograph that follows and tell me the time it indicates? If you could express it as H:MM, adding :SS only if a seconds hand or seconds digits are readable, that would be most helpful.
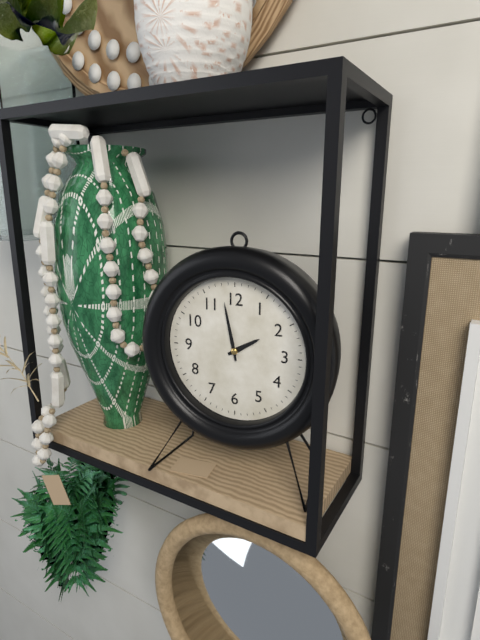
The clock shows 1:58
